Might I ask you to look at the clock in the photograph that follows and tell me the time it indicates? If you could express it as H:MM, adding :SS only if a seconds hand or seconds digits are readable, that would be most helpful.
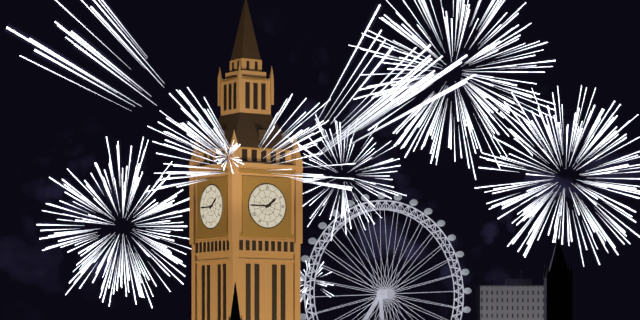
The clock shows 1:45
